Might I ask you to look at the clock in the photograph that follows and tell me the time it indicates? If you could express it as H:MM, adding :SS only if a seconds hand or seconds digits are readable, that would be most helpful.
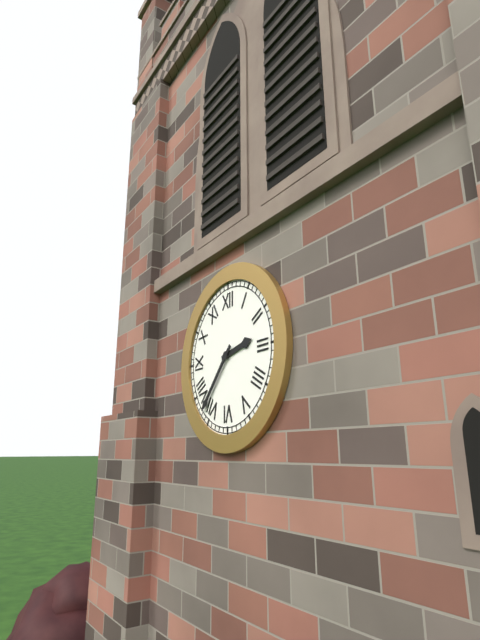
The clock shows 2:37
